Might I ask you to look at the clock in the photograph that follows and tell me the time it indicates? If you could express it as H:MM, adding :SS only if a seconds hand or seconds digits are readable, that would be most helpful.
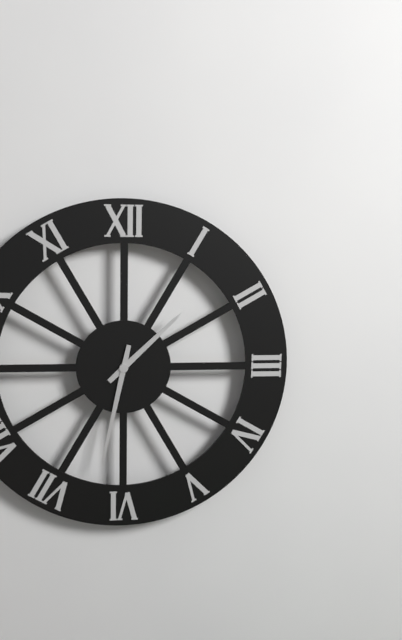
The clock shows 1:32
